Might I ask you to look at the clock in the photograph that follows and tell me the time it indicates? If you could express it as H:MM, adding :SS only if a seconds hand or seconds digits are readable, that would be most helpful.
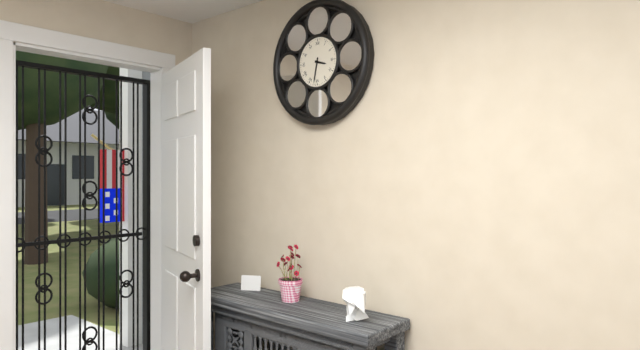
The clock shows 3:32
